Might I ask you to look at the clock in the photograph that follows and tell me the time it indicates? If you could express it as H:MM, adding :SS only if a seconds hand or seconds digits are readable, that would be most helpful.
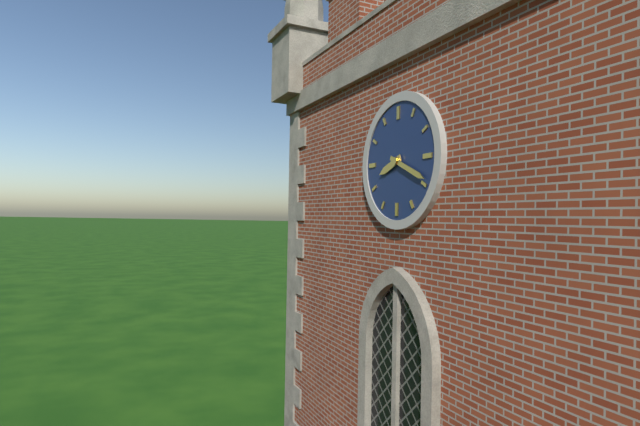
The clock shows 8:19
